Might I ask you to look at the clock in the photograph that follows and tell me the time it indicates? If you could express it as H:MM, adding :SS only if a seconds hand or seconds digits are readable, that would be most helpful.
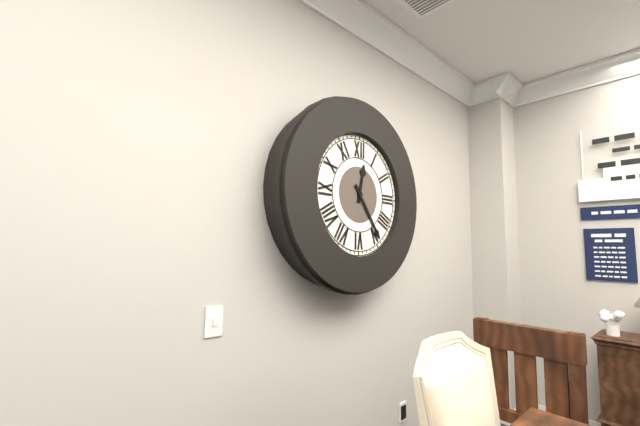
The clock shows 12:24
